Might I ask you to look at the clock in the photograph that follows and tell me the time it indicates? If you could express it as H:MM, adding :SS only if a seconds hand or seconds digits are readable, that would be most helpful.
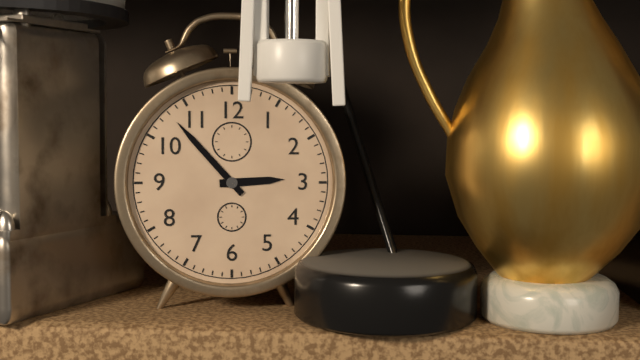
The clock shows 2:53
